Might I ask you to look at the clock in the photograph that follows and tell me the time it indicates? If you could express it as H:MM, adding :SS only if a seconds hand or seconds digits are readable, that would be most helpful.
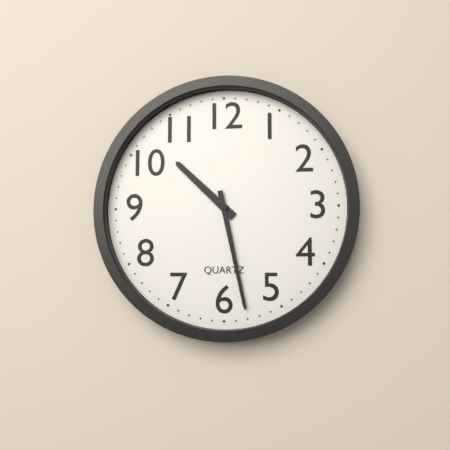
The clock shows 10:28
